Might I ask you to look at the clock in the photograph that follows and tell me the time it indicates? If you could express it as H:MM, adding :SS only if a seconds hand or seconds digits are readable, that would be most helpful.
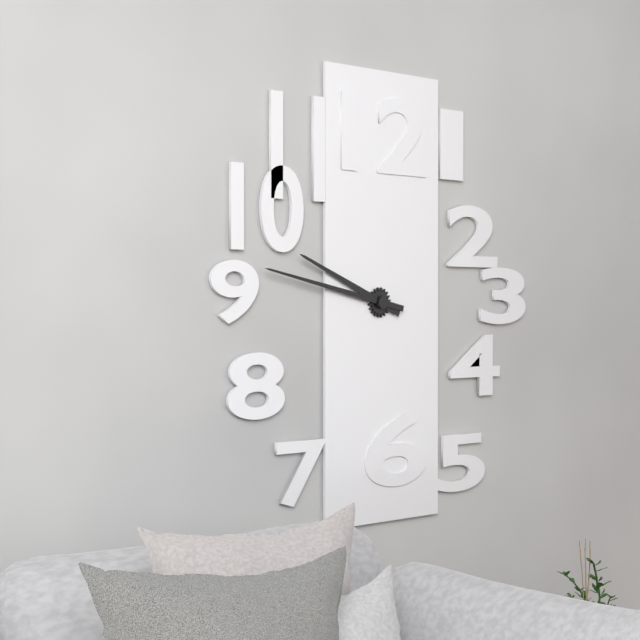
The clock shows 9:47
